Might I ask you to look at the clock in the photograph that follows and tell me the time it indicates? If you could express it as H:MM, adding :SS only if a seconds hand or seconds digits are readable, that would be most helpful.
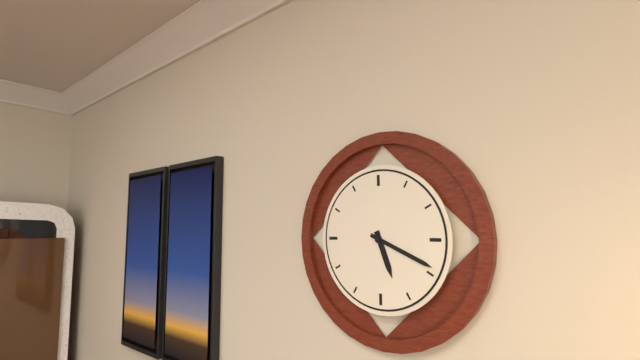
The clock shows 5:19
